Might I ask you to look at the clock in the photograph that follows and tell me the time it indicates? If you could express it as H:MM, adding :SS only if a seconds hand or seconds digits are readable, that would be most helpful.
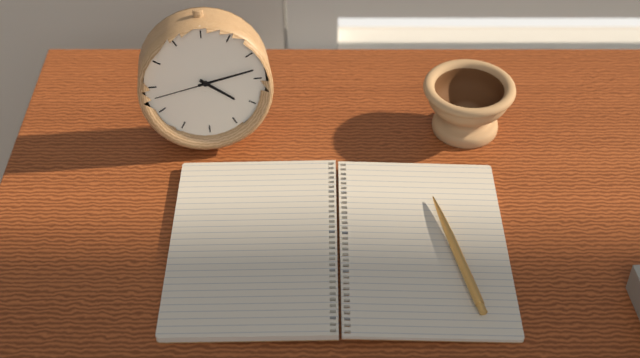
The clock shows 4:13:43
